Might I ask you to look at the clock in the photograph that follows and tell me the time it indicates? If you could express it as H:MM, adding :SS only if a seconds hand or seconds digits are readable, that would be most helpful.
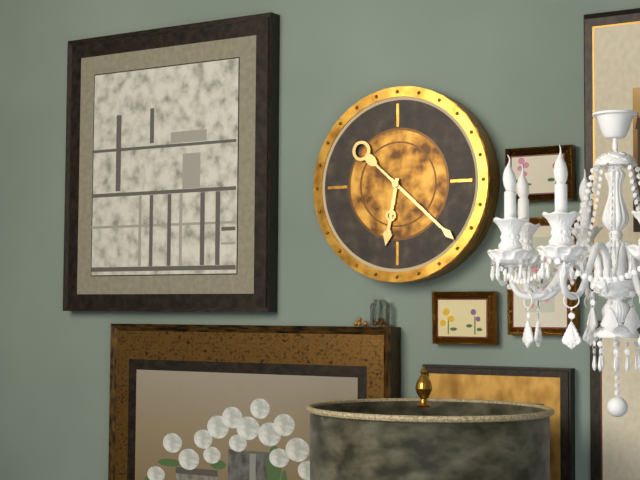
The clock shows 6:22
